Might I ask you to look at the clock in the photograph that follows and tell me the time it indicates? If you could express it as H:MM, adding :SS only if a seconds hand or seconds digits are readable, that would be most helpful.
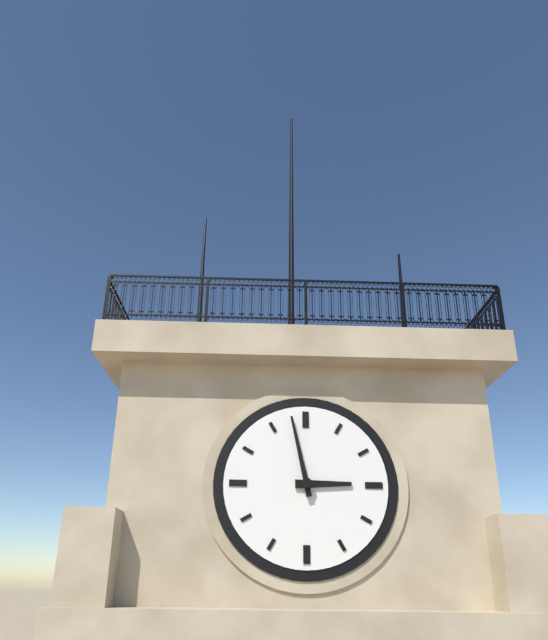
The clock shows 2:58
